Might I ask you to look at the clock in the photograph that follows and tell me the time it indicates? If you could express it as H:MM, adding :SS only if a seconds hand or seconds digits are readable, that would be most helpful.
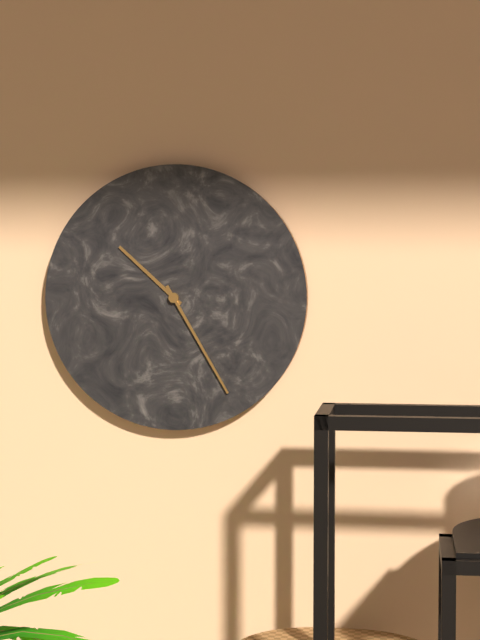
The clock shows 10:25
